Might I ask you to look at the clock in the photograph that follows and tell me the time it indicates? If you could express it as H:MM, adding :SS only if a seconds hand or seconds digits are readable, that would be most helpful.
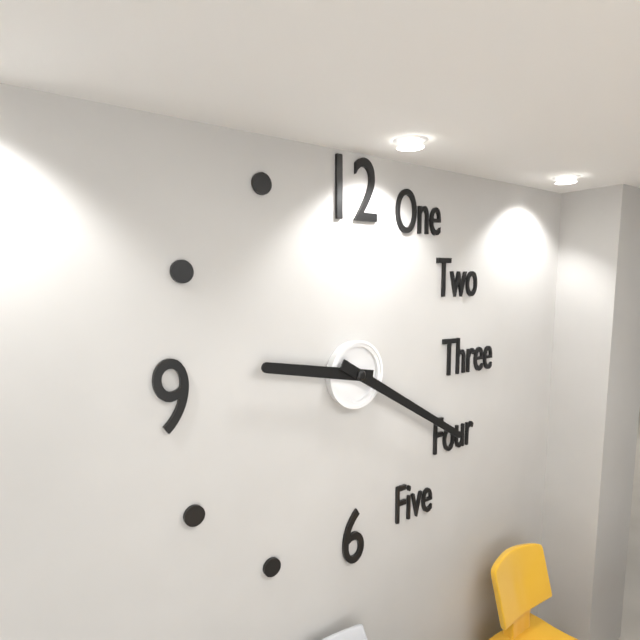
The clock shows 9:20
